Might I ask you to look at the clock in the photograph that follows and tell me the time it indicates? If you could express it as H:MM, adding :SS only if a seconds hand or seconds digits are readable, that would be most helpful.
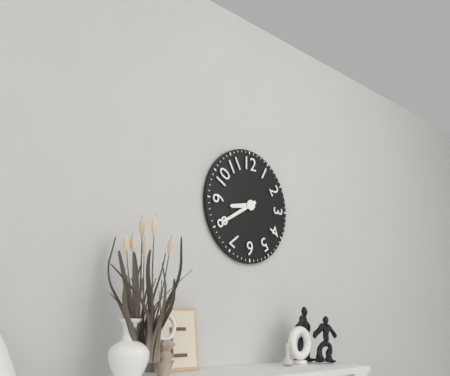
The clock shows 8:40
